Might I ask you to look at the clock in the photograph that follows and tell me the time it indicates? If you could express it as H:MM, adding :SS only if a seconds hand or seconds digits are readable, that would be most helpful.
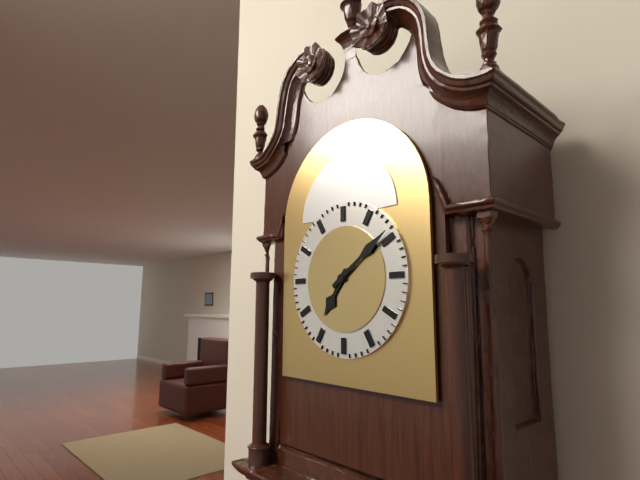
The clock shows 7:09
